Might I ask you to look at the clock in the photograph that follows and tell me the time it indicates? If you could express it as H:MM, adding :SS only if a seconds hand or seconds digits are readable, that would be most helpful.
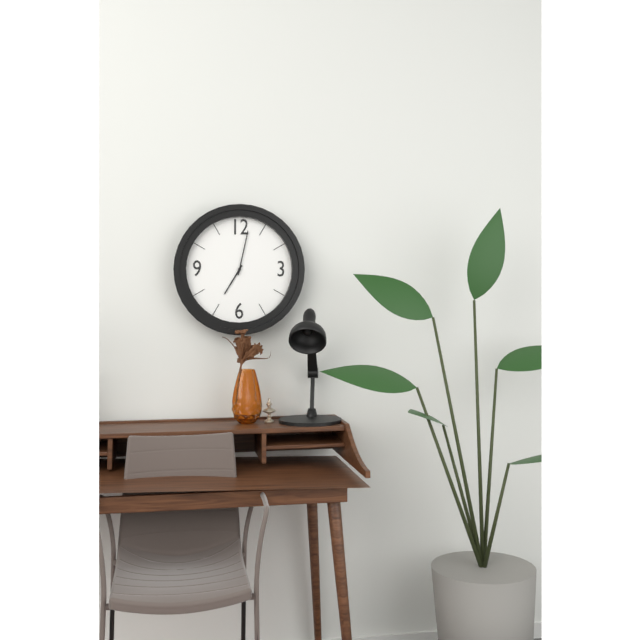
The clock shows 7:02
